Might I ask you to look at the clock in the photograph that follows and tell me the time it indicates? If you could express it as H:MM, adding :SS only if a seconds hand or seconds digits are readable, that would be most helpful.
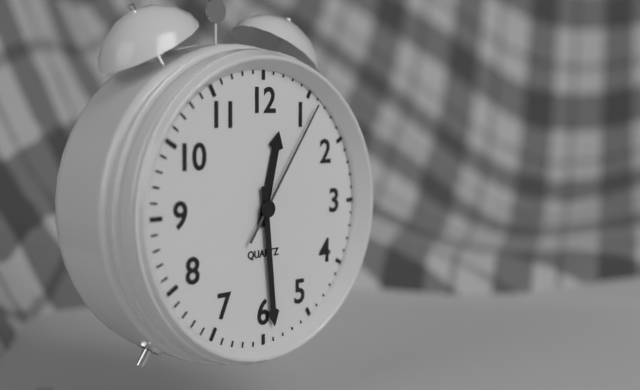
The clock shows 12:29:06
